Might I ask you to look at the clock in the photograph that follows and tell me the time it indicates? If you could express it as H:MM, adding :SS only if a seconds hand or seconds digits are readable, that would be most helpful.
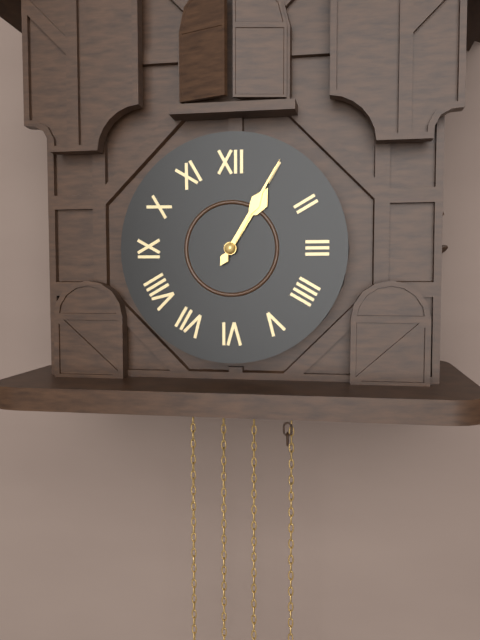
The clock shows 1:05
